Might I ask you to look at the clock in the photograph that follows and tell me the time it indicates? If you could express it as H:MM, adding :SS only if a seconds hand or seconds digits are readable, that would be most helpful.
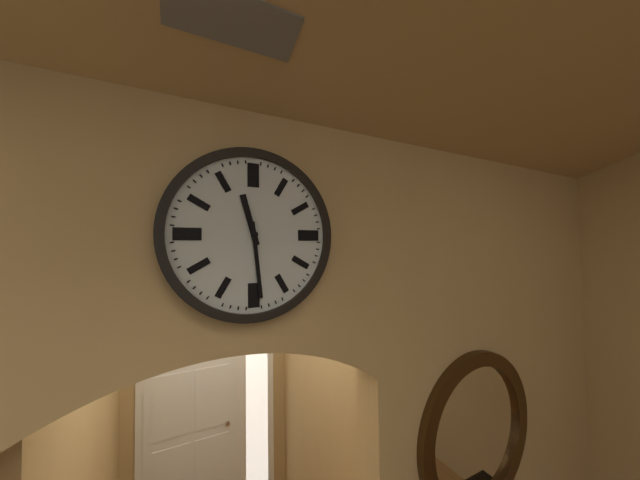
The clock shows 11:29
